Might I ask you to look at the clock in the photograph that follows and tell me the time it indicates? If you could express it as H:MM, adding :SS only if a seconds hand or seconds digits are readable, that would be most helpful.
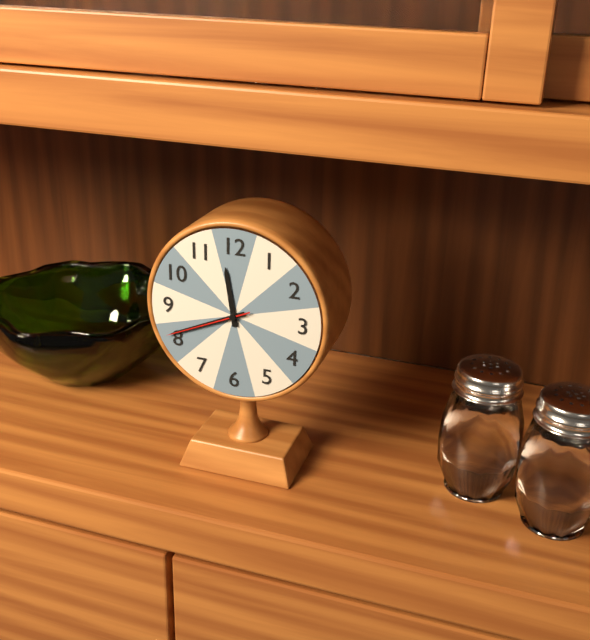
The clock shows 11:41:41
